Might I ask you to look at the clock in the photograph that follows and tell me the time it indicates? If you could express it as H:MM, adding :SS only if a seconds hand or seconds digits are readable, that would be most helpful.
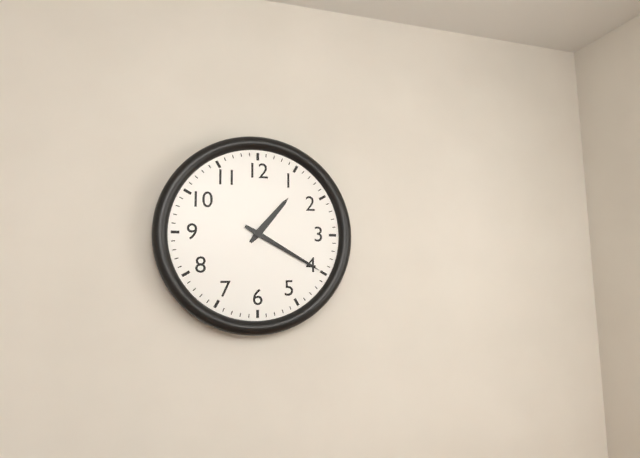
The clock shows 1:20
